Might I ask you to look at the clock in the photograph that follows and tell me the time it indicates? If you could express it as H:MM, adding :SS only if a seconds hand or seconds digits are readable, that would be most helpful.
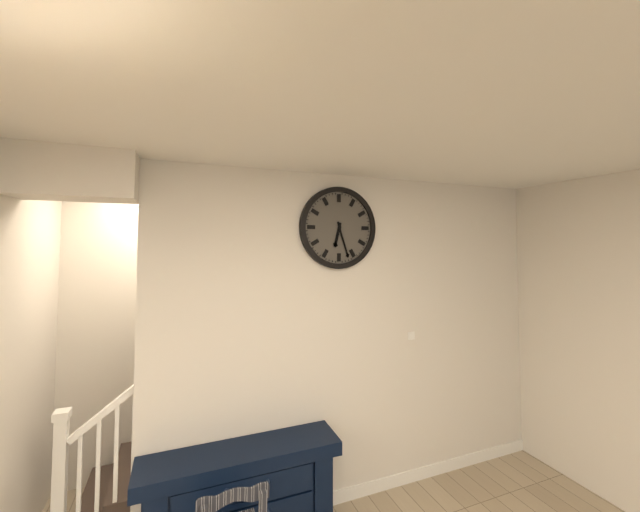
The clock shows 6:27
